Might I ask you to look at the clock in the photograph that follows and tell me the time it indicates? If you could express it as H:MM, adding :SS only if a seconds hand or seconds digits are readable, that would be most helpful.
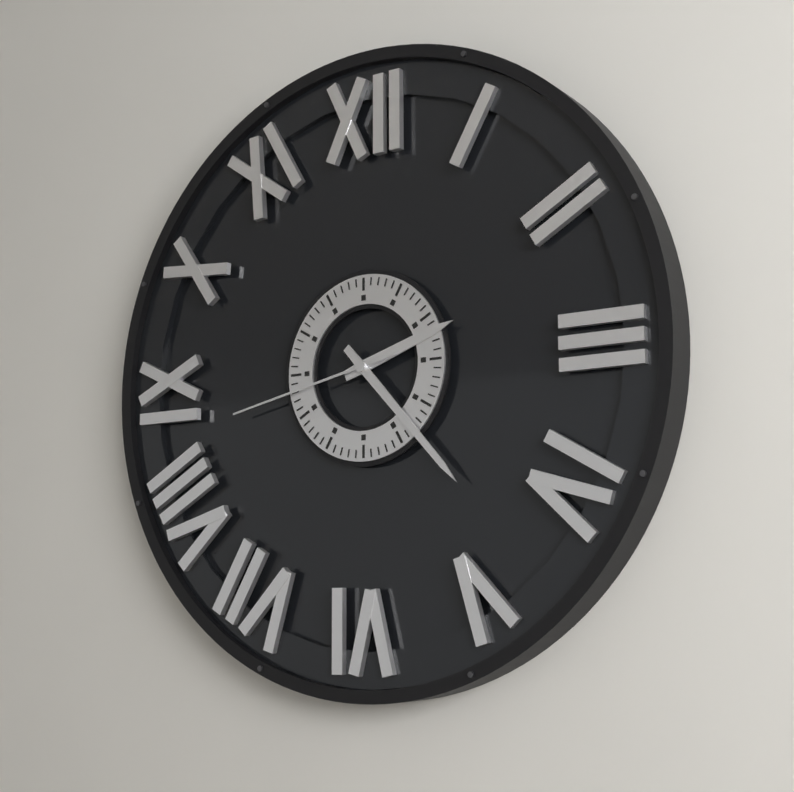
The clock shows 2:23:43
